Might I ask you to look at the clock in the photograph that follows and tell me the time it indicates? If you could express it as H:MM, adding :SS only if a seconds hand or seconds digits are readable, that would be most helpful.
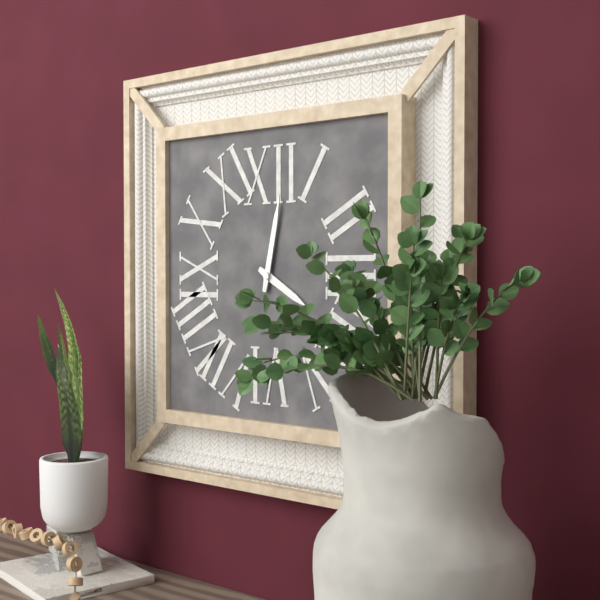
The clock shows 4:02
